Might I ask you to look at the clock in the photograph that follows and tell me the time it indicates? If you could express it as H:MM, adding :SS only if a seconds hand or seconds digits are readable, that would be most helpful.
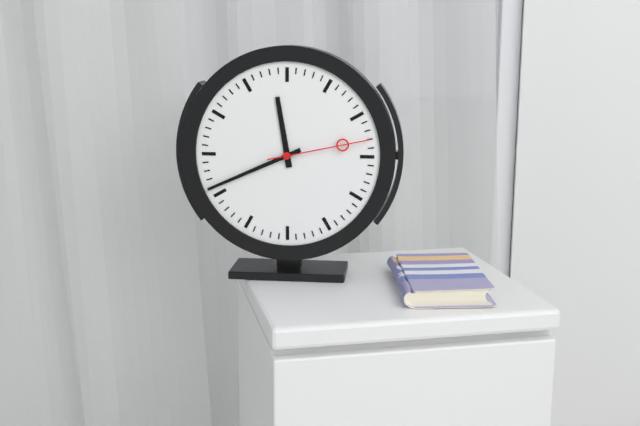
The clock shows 11:41:13
